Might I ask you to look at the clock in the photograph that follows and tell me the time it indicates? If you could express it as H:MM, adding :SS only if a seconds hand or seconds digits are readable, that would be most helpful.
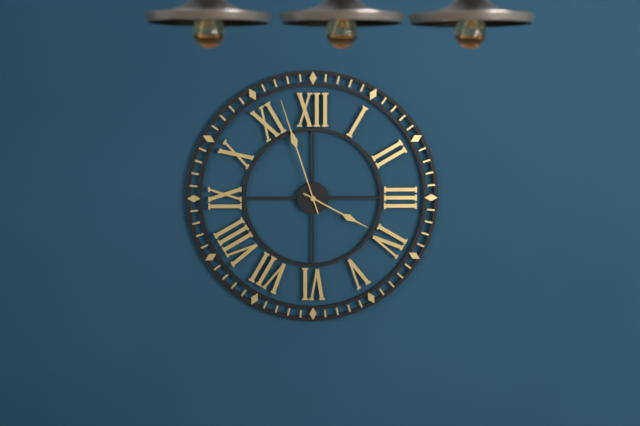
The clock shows 3:57
